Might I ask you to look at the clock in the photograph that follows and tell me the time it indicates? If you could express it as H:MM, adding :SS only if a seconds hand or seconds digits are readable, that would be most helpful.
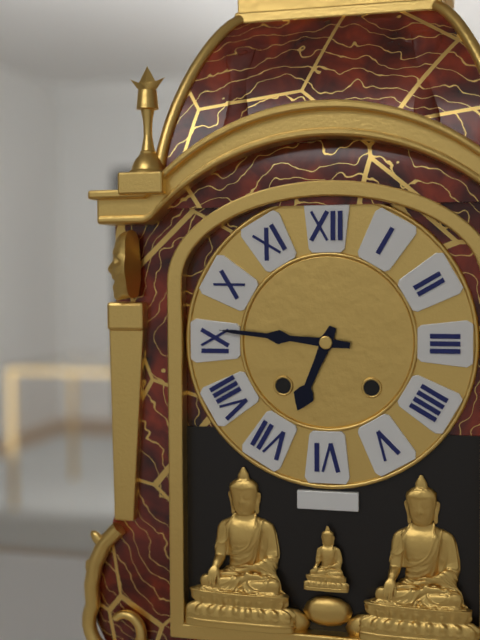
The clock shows 6:46
